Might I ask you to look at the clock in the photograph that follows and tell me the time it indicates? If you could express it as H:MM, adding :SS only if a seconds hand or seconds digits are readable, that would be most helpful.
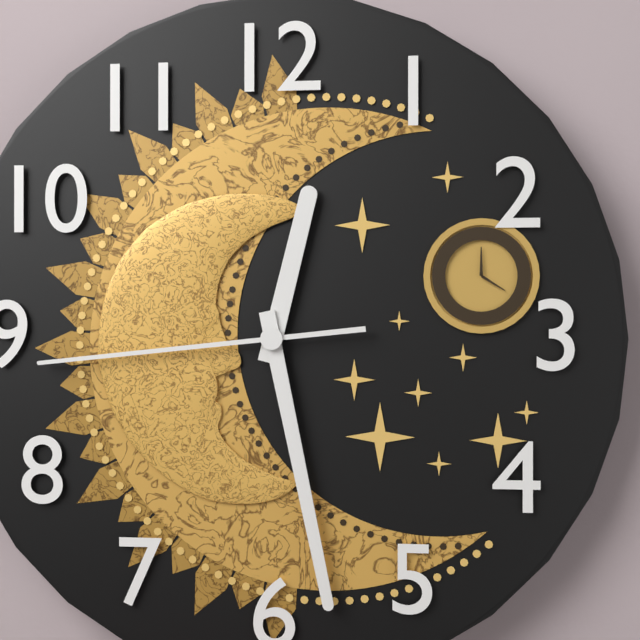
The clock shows 12:28:44
